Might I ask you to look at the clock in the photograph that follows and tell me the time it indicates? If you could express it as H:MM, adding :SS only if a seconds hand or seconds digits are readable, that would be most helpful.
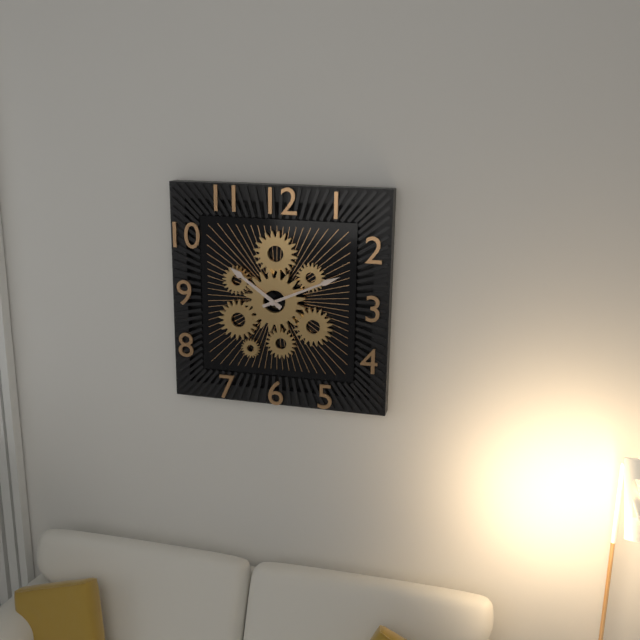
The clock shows 10:11
